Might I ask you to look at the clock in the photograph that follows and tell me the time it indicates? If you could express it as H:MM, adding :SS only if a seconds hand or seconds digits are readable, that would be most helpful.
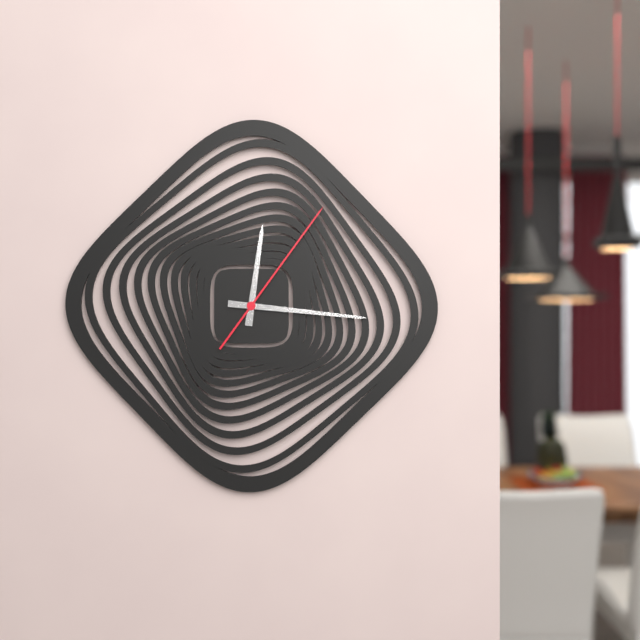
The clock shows 12:16:06
